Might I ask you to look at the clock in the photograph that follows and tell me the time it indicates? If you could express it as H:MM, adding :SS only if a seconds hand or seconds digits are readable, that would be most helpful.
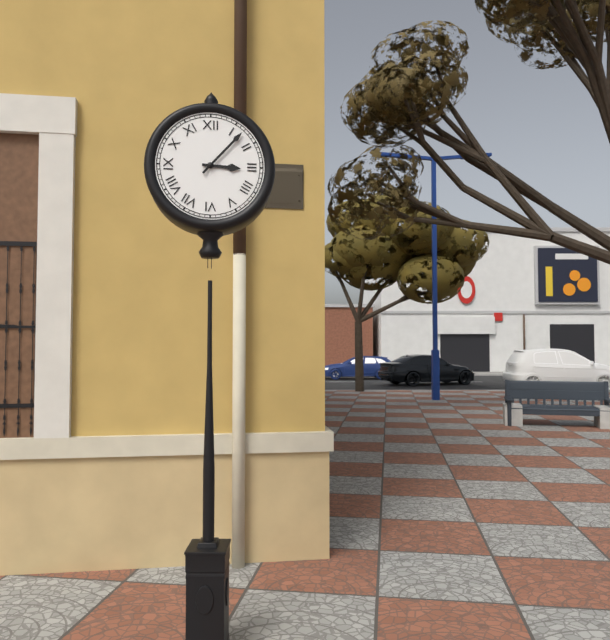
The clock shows 3:07
